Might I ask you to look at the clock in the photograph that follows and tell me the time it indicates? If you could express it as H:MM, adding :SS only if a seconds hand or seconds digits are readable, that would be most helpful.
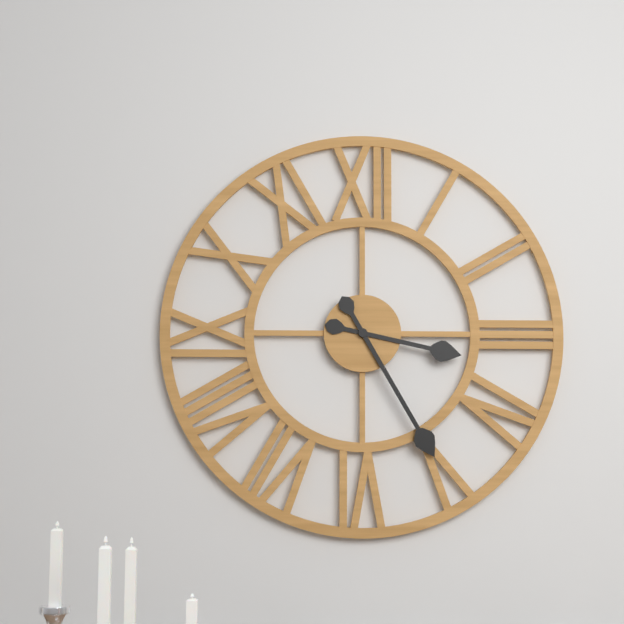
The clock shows 3:25
